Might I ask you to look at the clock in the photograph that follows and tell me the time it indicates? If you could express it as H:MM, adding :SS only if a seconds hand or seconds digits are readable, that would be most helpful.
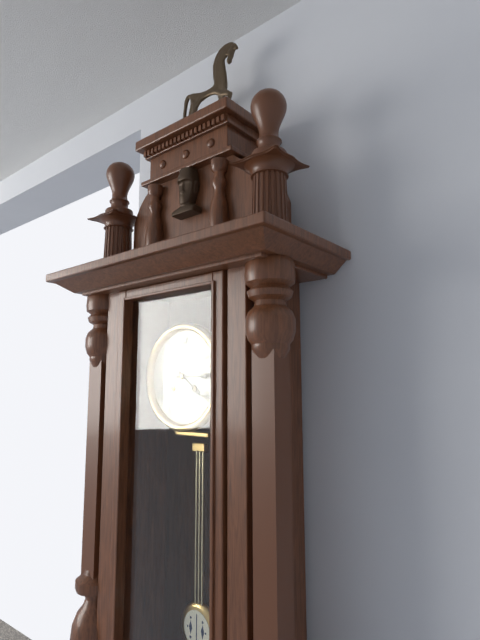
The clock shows 4:15
